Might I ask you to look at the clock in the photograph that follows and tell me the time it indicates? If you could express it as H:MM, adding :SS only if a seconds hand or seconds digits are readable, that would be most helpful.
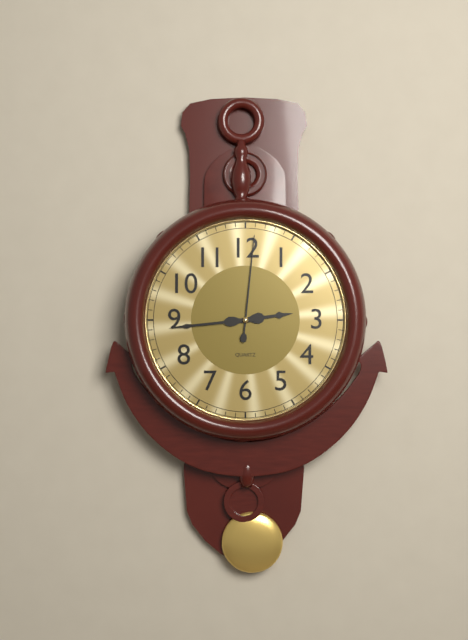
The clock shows 2:44:01
